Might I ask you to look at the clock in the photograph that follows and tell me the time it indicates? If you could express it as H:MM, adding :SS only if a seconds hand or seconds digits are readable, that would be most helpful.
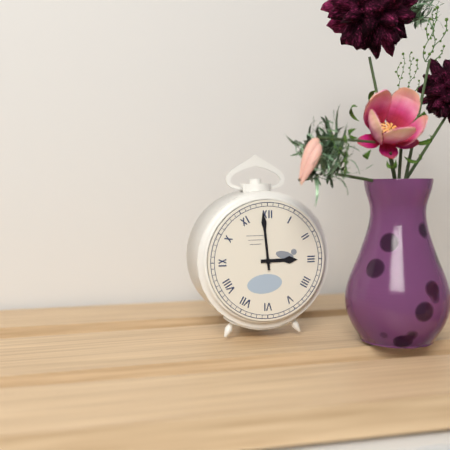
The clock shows 2:59
